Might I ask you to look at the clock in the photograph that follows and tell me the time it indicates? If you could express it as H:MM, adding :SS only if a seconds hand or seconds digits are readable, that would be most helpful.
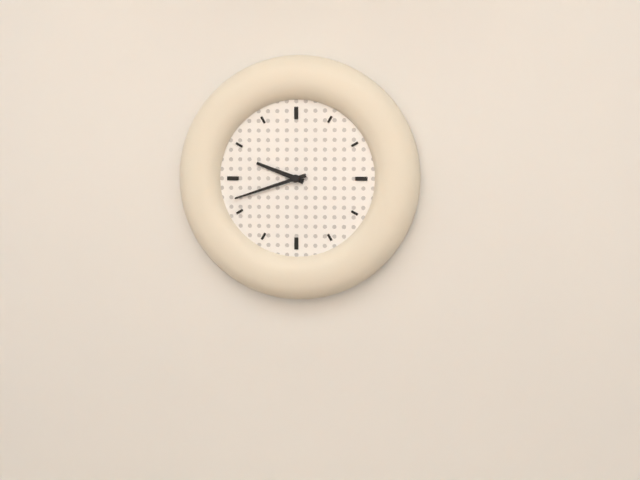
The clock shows 9:42
